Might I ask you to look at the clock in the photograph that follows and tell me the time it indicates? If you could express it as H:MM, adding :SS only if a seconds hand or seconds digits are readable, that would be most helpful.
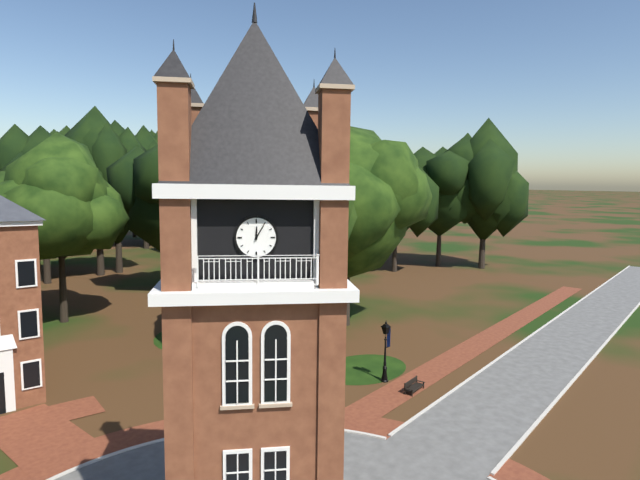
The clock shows 12:05
